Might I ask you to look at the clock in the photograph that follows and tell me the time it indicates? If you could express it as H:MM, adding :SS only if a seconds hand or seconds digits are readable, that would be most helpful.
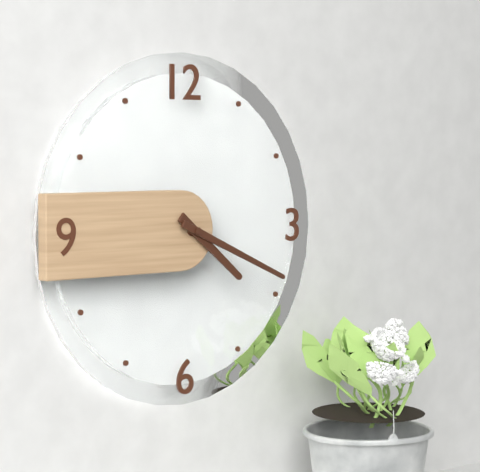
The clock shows 4:19
